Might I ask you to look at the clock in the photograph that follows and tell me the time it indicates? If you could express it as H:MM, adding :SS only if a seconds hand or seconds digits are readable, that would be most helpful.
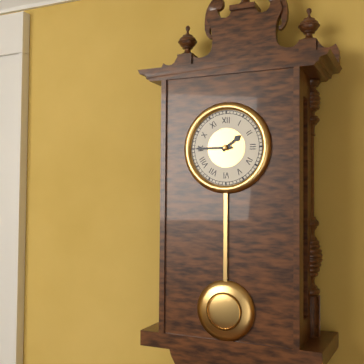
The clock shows 1:45
